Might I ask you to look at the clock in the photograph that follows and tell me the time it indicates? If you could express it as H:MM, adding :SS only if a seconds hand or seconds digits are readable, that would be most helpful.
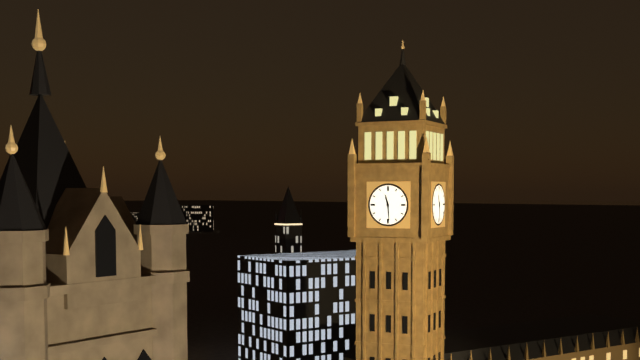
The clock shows 11:29
